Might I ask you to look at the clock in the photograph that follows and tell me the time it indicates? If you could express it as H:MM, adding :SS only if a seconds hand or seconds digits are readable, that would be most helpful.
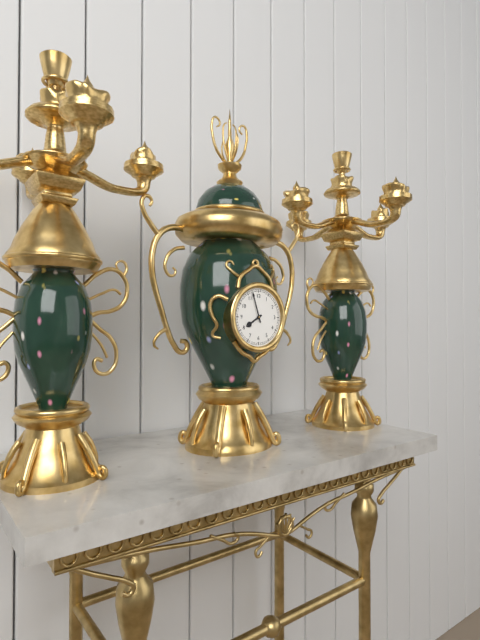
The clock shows 7:57
